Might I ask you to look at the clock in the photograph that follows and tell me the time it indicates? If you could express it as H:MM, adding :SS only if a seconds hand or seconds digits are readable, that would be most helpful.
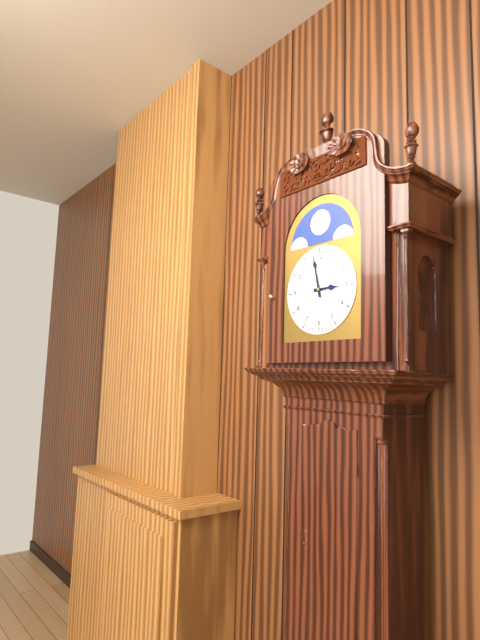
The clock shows 2:58
